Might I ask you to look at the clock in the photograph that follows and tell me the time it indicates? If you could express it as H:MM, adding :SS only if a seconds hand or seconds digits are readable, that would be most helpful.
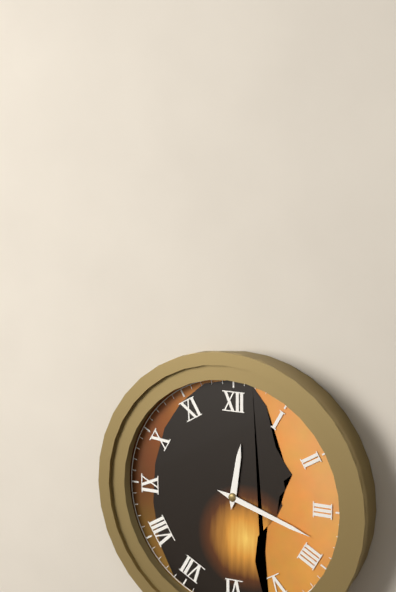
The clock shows 12:18
